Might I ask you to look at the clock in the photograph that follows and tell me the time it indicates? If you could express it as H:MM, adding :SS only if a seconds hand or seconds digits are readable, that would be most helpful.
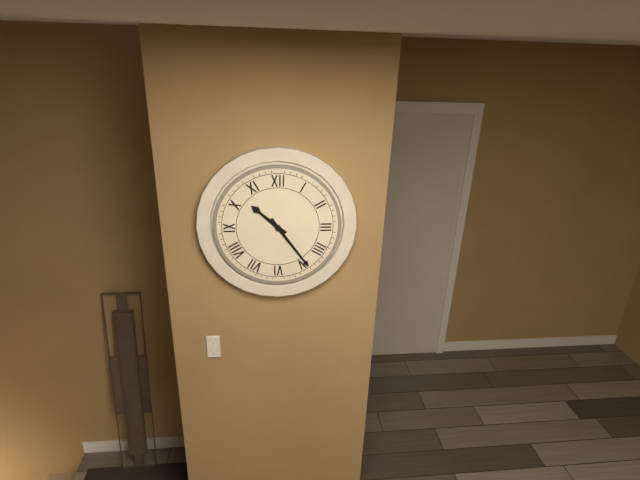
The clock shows 10:24
